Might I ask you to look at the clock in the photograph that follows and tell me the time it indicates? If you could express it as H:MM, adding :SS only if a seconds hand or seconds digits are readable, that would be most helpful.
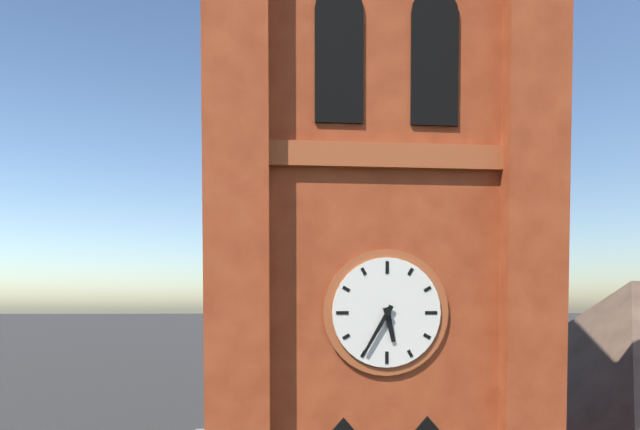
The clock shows 5:35
